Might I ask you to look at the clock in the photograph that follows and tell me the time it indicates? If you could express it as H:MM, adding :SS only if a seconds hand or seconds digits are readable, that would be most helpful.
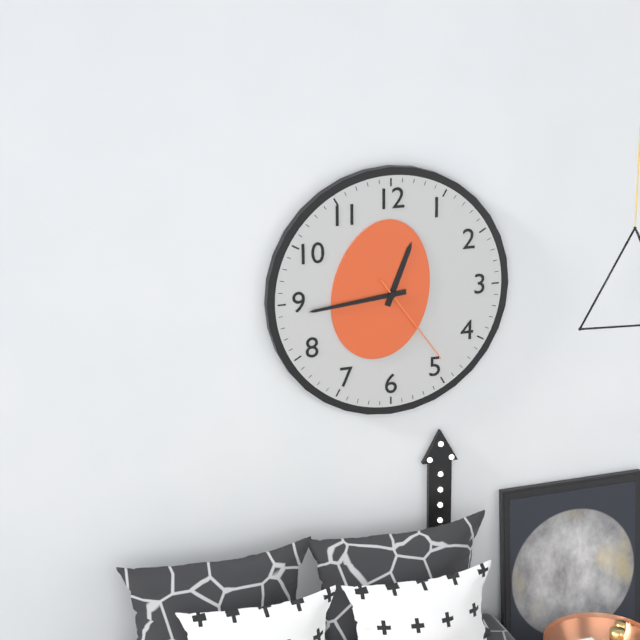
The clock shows 12:44:24
